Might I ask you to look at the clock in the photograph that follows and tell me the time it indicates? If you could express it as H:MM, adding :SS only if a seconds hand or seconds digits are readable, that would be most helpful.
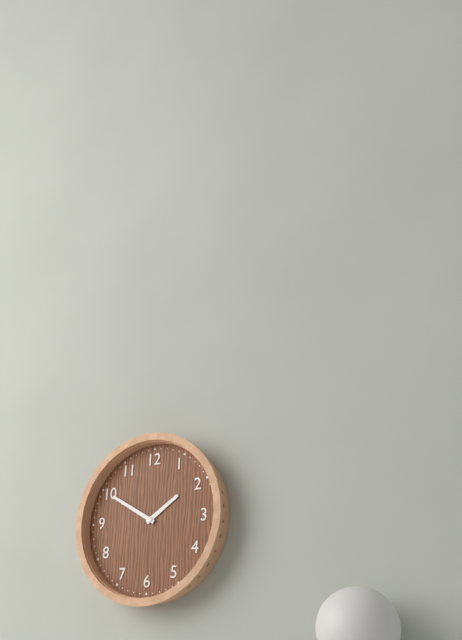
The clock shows 1:50
